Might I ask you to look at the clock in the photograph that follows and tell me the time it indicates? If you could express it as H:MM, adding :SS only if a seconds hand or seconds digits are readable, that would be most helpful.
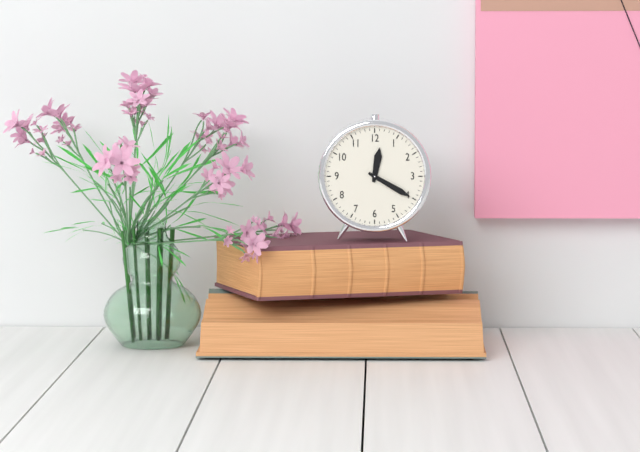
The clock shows 12:20
